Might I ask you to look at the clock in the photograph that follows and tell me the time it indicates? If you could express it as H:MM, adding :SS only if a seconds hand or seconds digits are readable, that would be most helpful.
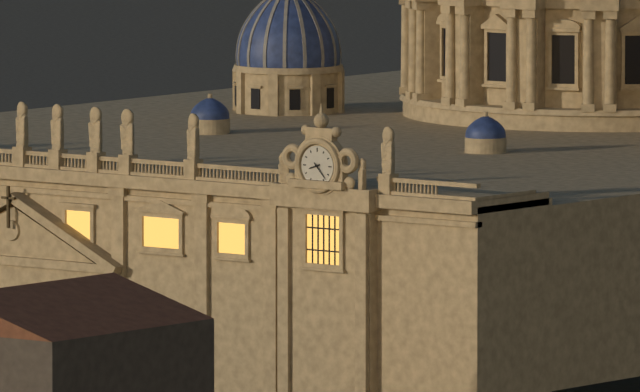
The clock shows 8:23
